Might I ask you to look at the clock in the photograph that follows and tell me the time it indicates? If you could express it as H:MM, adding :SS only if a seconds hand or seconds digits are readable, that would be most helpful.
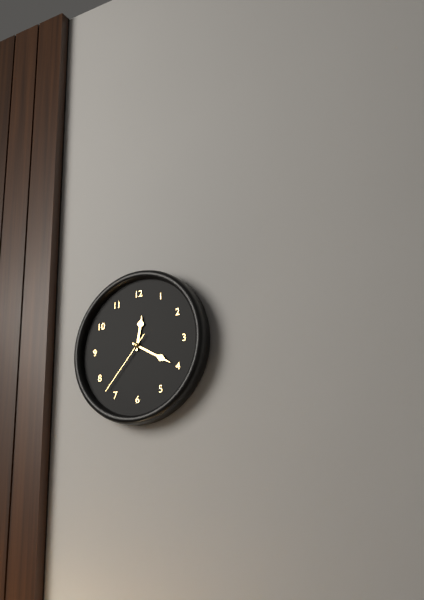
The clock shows 12:20:37
